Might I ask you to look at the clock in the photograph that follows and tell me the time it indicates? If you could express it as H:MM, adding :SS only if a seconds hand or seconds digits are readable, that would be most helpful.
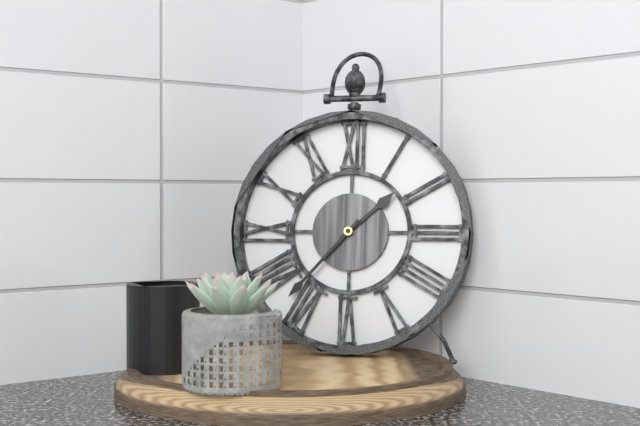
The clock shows 1:37
